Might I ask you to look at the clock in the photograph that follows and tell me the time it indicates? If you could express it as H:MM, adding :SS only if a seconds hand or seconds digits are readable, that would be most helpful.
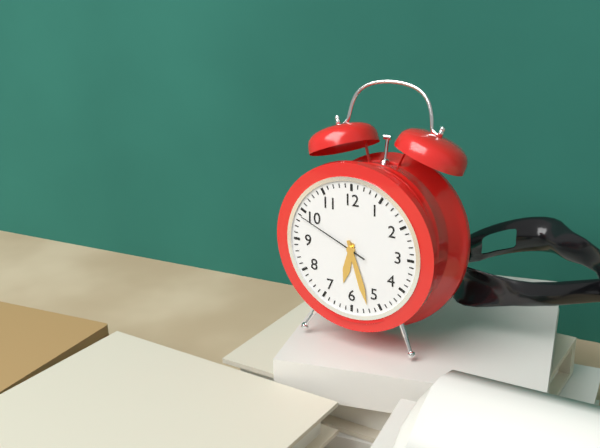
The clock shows 6:27:49
